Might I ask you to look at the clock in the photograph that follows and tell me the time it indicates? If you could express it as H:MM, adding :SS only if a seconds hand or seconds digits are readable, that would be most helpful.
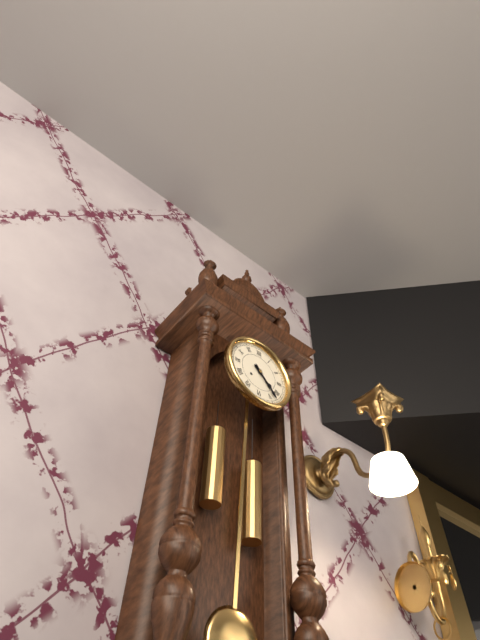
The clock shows 4:23
